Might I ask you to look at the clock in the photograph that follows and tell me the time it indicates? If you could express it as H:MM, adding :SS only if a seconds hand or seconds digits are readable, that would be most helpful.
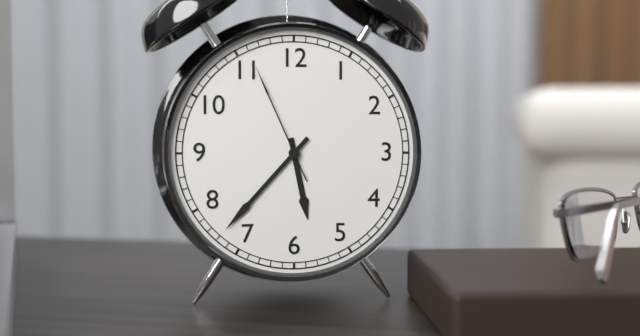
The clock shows 5:37:56
